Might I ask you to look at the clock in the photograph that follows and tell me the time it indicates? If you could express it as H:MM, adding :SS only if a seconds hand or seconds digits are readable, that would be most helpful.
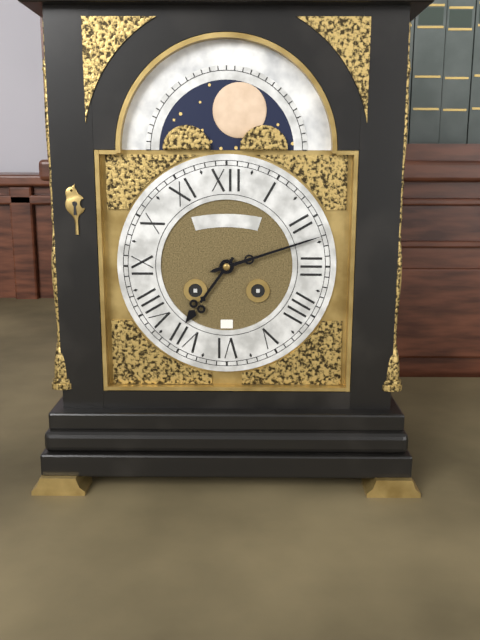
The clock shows 7:12
